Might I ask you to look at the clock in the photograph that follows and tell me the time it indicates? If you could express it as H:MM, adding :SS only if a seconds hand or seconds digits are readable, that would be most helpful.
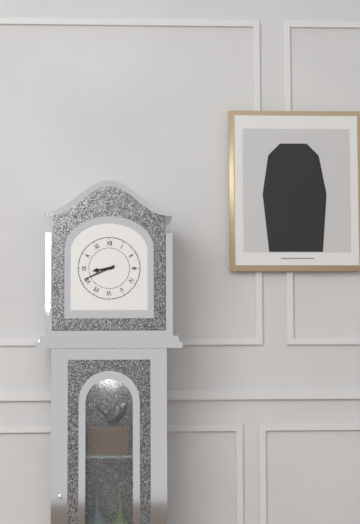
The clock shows 8:41
